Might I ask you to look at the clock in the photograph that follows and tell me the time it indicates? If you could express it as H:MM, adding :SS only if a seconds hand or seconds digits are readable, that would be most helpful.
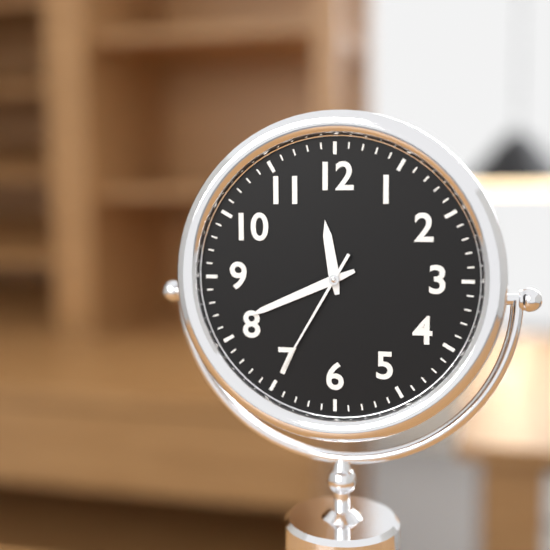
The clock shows 11:41:35
